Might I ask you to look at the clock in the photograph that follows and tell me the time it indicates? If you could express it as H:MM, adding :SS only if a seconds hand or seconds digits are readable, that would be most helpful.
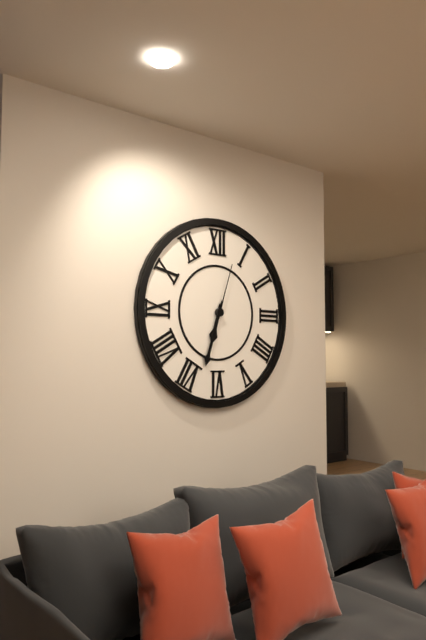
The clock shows 6:33:03
